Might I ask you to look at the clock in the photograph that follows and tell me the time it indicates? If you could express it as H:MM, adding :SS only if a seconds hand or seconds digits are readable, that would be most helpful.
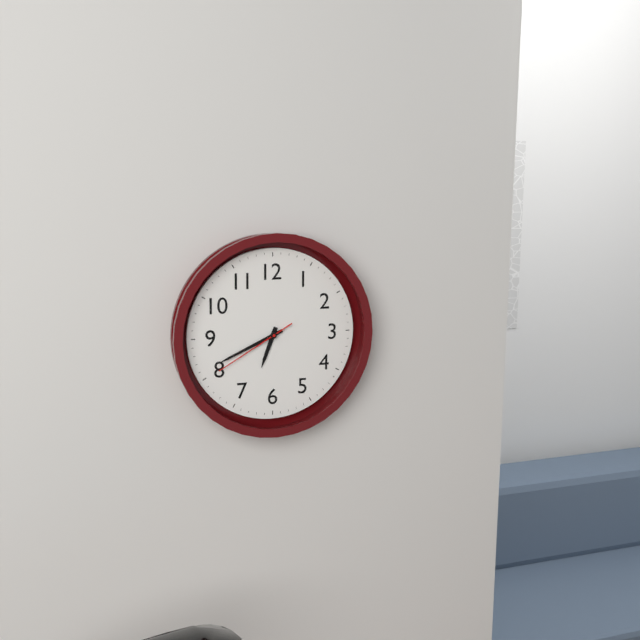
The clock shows 6:41:40
